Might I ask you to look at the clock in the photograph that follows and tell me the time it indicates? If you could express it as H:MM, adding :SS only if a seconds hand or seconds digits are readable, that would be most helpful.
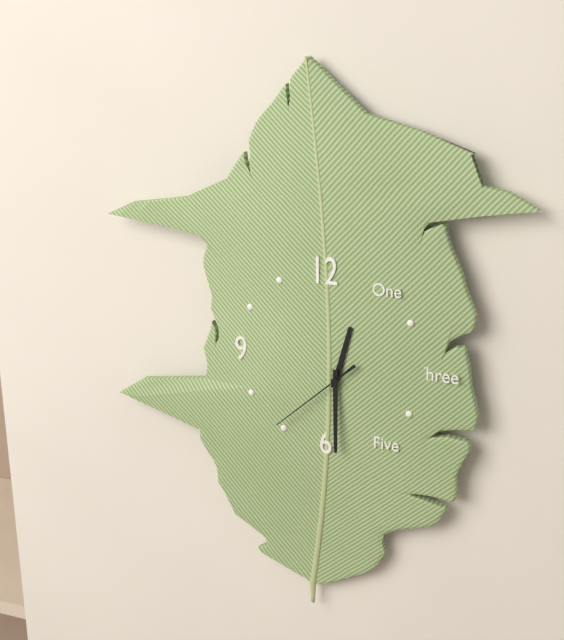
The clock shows 12:30:38
